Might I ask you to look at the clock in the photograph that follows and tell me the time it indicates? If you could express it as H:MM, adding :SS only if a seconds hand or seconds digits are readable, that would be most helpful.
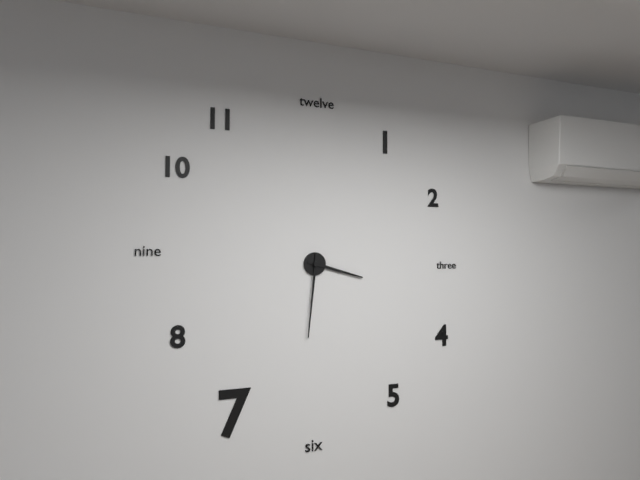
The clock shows 3:31
